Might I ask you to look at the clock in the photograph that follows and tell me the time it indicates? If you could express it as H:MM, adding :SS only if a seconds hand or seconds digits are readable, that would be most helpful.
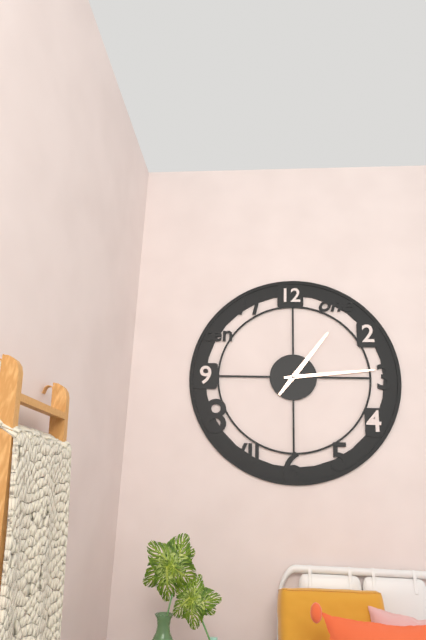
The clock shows 1:14
